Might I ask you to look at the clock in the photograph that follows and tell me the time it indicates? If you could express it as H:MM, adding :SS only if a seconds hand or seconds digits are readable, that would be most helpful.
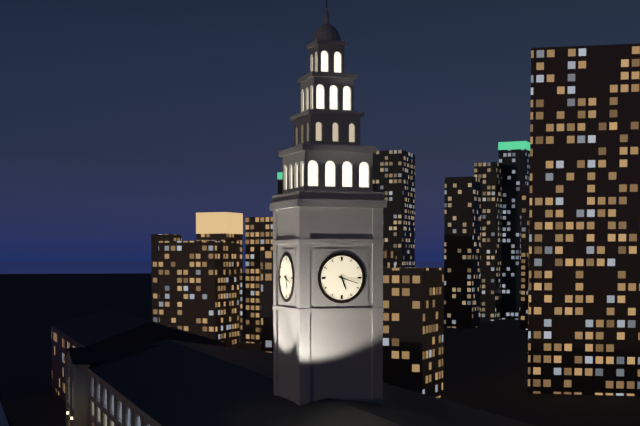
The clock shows 5:18
